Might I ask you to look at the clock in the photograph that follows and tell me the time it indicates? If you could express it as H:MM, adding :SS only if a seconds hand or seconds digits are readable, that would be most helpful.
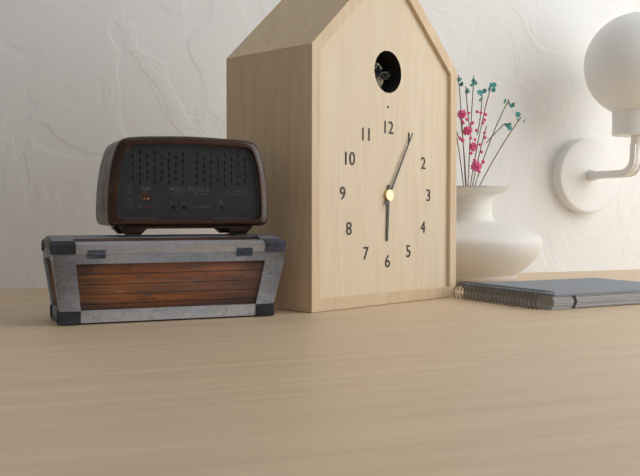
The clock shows 6:05
